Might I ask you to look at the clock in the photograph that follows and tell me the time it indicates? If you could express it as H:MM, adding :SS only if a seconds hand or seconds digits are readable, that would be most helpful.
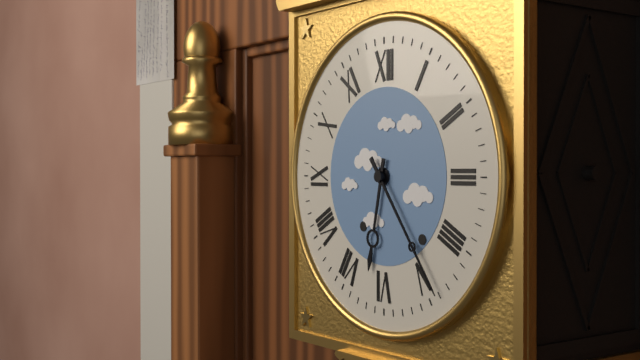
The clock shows 6:24
